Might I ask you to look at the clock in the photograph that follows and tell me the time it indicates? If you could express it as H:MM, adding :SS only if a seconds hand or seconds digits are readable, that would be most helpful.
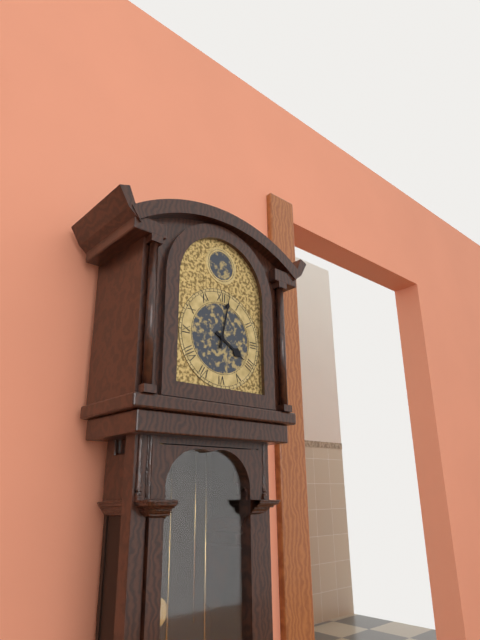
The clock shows 4:02
